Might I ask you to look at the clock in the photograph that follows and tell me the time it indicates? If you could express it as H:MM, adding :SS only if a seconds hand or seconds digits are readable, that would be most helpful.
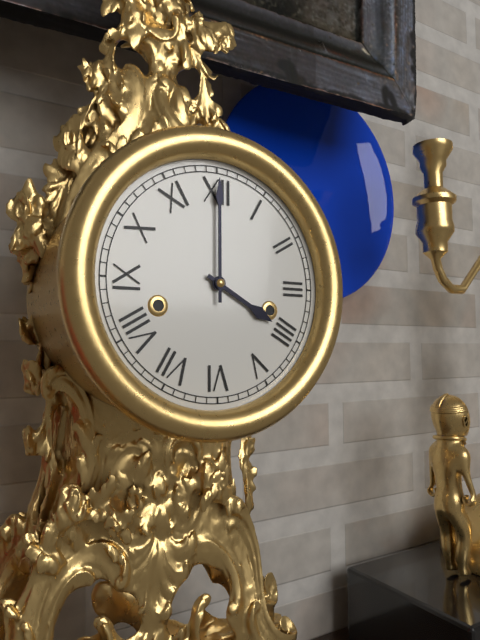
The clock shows 4:00
